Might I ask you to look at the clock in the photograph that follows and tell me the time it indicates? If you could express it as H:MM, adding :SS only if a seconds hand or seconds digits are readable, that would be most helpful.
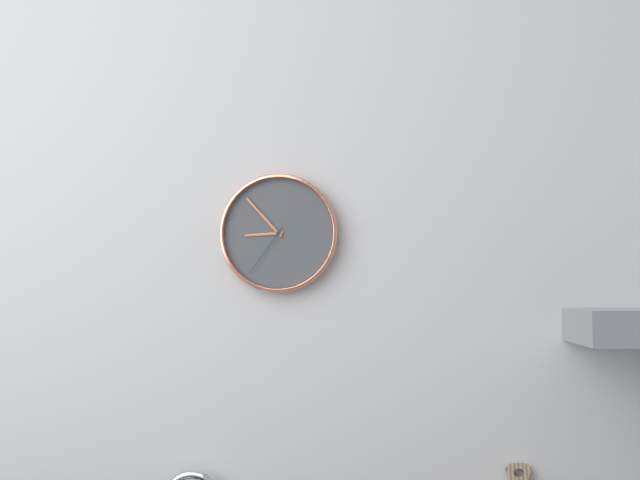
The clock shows 8:53:36
